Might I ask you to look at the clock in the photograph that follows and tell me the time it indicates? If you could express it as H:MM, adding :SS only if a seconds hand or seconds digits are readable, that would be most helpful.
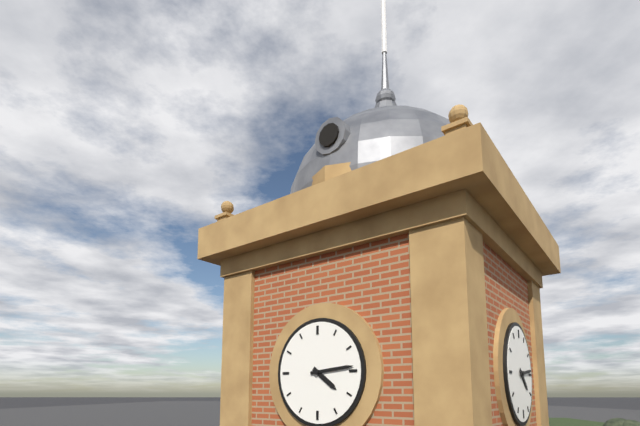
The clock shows 4:14
